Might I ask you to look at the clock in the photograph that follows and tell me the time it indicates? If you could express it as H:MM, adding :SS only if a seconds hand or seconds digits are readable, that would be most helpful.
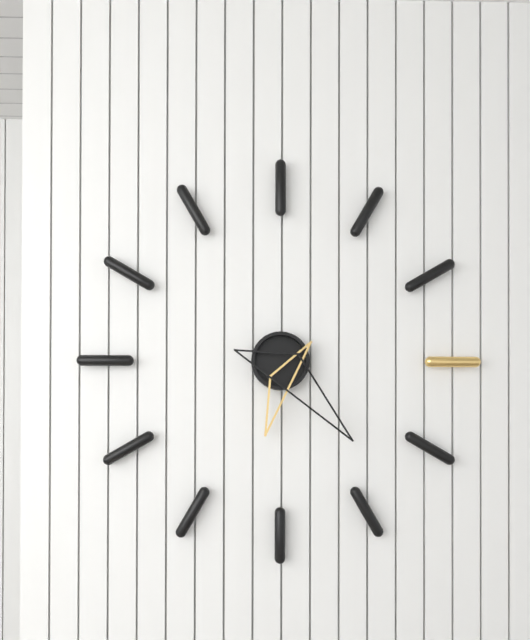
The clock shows 6:23
